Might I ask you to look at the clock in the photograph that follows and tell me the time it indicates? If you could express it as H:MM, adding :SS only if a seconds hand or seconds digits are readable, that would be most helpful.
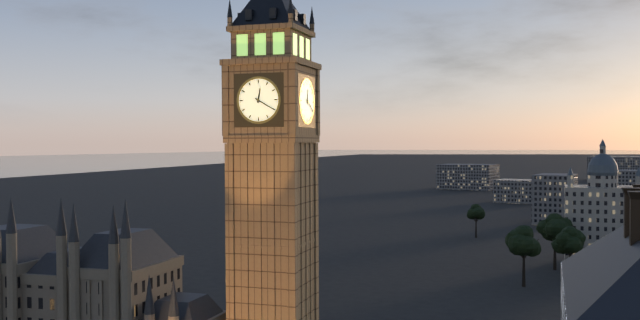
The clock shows 12:20
